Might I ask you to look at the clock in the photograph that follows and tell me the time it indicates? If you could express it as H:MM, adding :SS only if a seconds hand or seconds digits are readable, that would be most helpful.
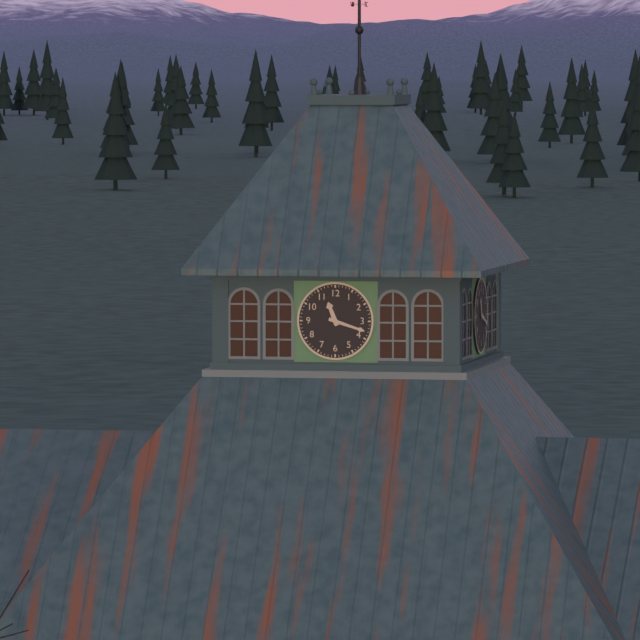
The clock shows 11:18
